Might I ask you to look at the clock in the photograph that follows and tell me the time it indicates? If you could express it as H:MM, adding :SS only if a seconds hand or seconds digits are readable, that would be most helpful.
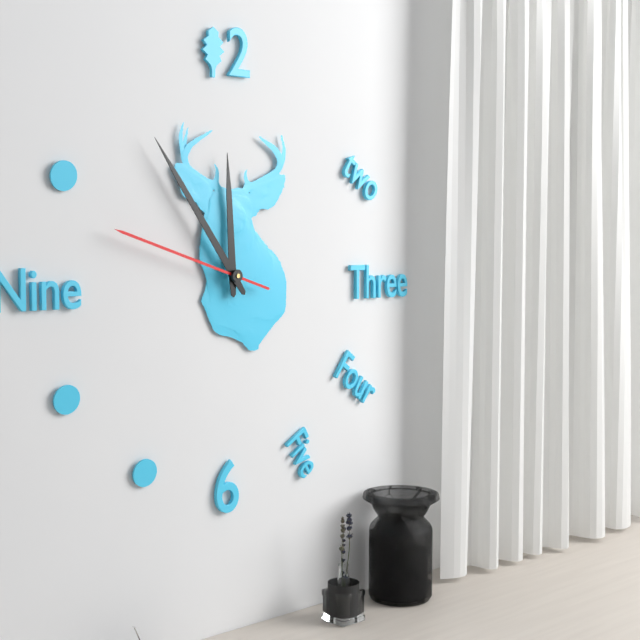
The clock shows 11:54:48
